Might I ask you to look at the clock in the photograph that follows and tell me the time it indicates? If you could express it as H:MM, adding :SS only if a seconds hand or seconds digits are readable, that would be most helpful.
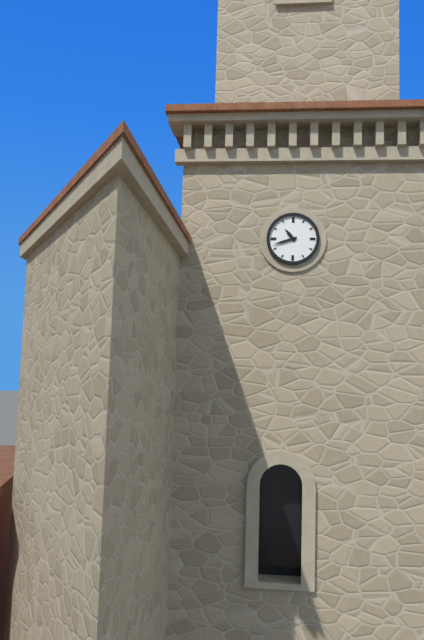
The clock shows 10:42
